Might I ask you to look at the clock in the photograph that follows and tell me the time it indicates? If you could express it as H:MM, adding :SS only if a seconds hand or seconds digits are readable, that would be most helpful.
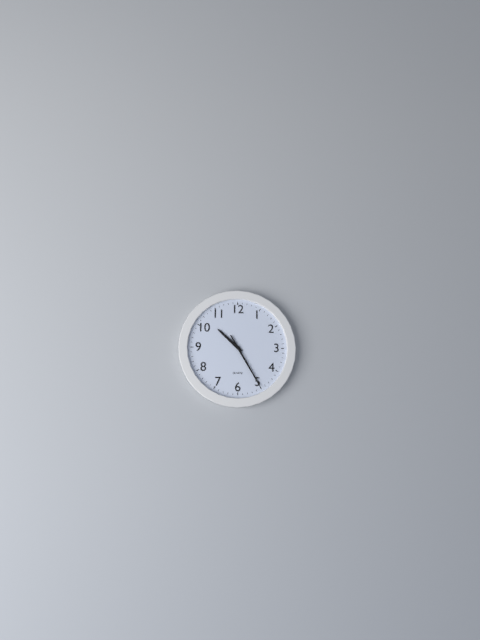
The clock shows 10:25
